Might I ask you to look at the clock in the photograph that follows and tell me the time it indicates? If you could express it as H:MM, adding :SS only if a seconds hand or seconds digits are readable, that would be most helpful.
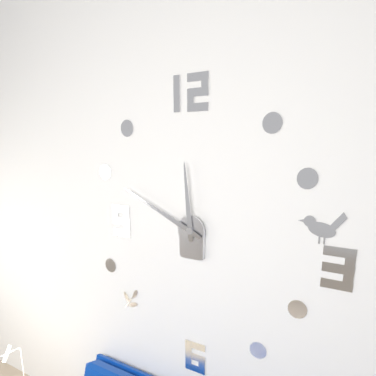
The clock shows 11:49
